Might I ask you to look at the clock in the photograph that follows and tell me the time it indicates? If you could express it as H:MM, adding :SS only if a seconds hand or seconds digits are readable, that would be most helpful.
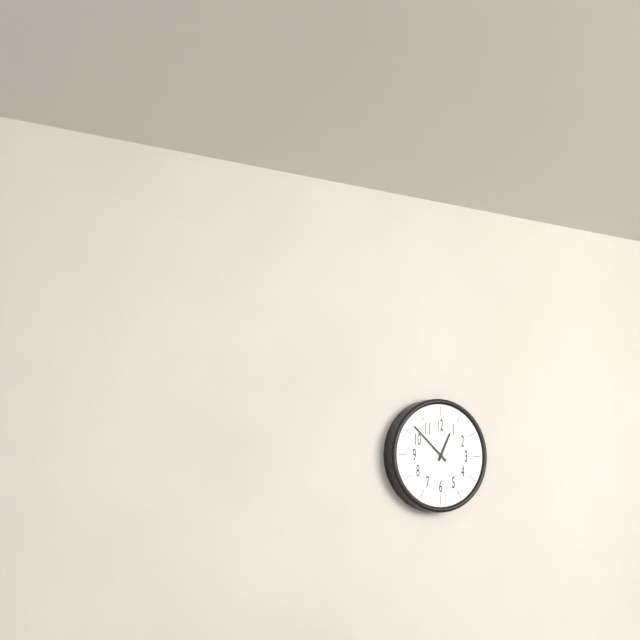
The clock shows 12:52
